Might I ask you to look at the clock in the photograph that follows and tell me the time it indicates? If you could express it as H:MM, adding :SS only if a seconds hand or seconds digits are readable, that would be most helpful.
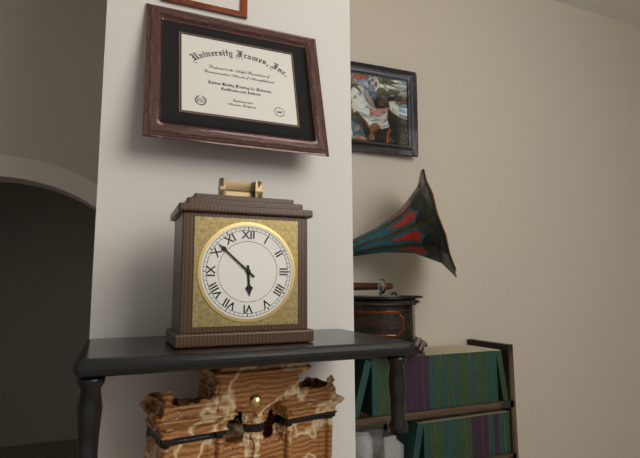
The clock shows 5:52
